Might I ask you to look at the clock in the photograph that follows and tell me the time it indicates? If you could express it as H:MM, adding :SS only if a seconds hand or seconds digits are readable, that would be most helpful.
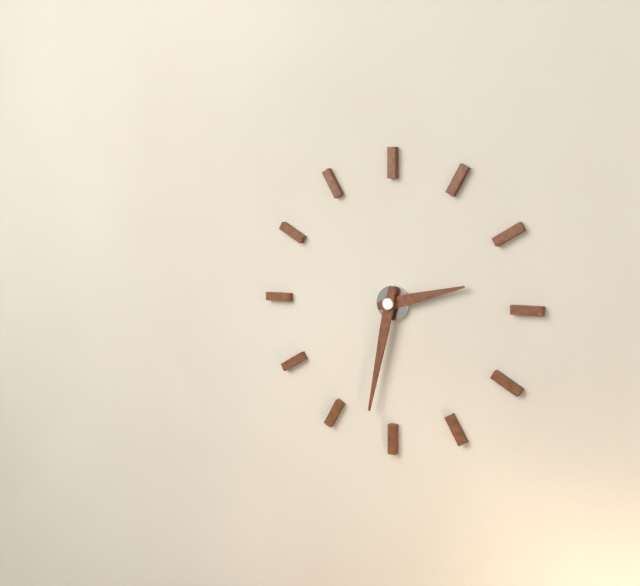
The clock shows 2:32
